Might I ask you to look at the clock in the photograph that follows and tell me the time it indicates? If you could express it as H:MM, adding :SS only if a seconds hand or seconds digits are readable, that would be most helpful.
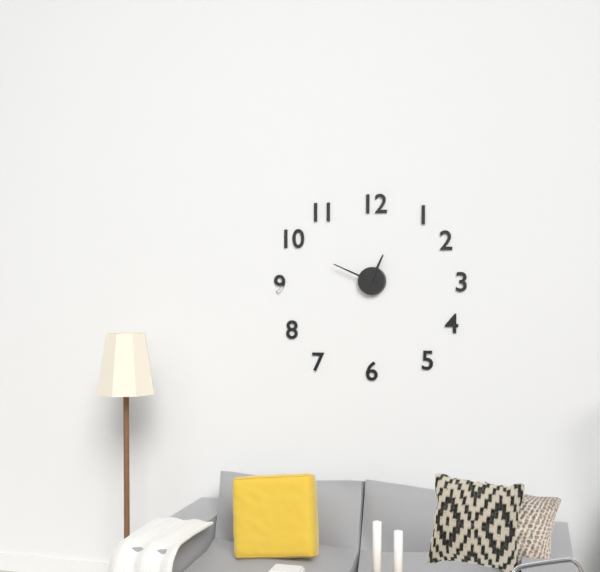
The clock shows 12:49
